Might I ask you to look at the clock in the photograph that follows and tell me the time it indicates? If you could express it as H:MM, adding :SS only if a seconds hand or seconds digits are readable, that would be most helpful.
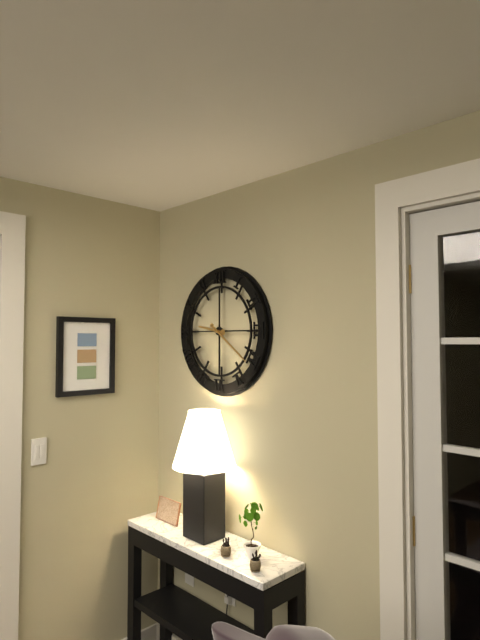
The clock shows 9:21
